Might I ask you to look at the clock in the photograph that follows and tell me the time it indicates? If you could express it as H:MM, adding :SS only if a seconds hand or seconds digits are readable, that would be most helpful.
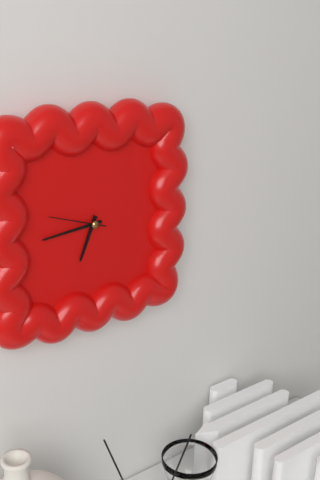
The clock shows 6:44:48
